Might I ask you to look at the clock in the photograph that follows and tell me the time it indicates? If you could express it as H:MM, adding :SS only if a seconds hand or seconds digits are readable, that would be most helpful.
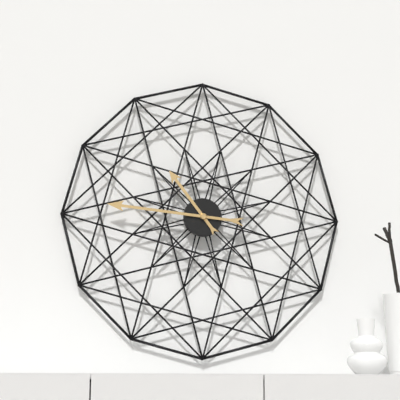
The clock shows 10:46
